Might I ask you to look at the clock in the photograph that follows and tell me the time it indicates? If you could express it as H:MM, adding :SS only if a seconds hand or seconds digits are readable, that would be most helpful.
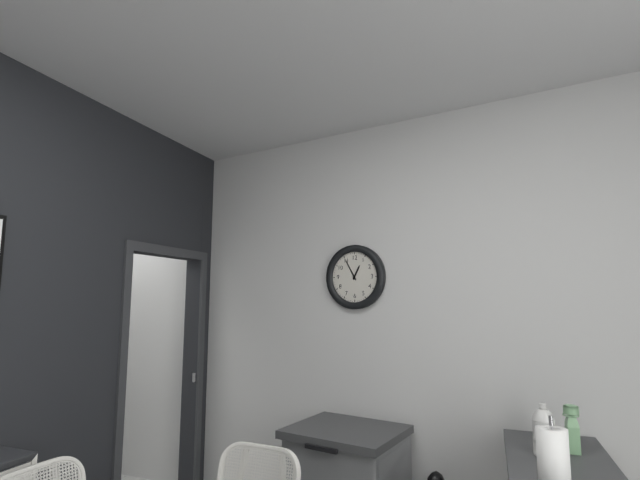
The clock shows 12:55
